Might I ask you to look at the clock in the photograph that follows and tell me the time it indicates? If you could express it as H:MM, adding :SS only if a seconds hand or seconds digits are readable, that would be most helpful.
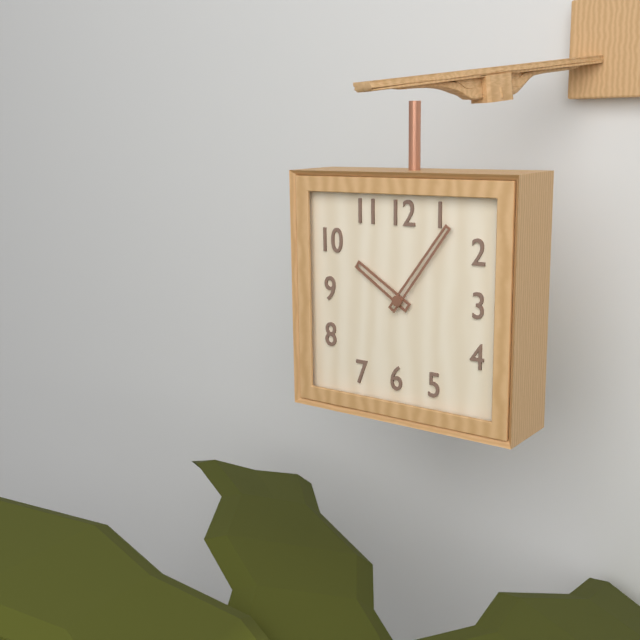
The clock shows 10:06
